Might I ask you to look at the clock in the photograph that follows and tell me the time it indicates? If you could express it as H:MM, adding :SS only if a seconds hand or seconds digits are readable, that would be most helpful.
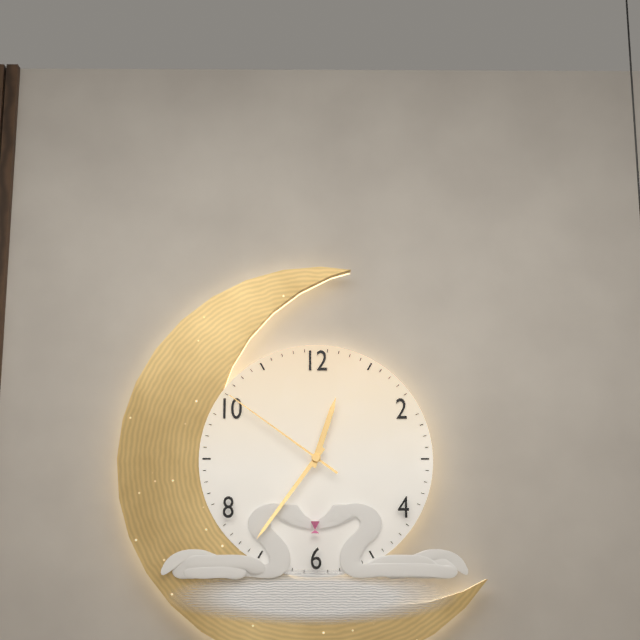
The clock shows 12:36:51
